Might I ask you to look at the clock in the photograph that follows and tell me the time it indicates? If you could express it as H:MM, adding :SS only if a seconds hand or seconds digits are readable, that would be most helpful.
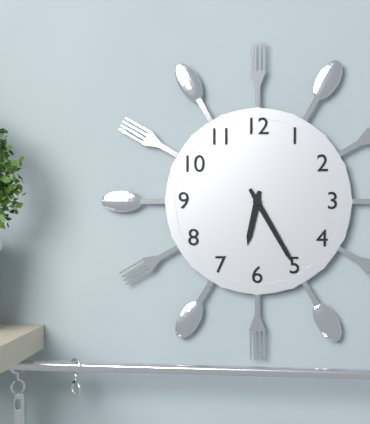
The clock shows 6:25
